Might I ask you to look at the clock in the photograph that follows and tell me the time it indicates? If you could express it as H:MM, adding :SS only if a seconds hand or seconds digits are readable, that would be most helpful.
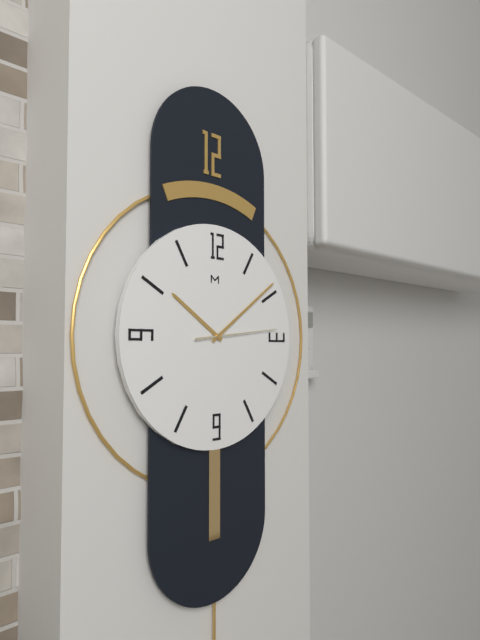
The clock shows 10:09:14
